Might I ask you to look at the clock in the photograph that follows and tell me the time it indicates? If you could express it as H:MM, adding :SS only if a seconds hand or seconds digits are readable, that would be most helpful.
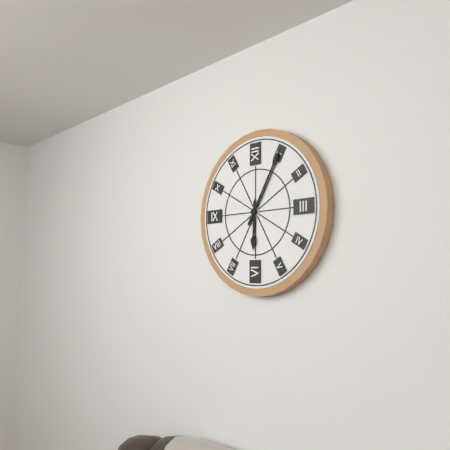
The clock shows 6:05
